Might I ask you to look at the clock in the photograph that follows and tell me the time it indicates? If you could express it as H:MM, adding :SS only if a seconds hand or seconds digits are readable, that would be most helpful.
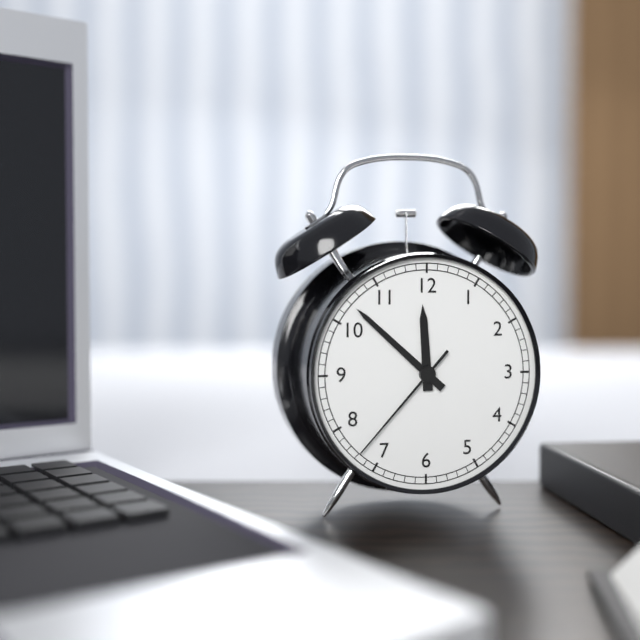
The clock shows 11:52:37
